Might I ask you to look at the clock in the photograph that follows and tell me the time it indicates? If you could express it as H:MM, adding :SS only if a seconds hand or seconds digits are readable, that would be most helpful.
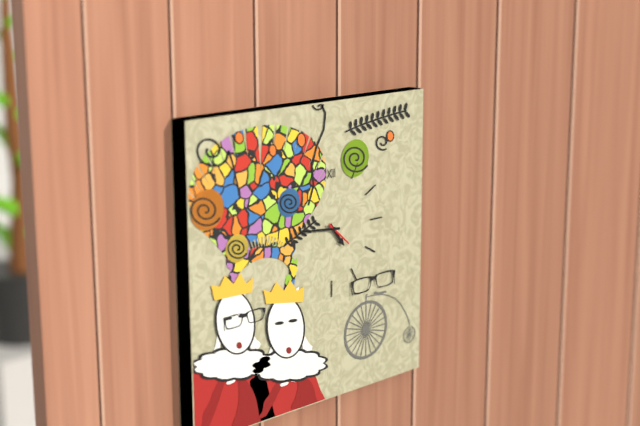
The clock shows 4:46
